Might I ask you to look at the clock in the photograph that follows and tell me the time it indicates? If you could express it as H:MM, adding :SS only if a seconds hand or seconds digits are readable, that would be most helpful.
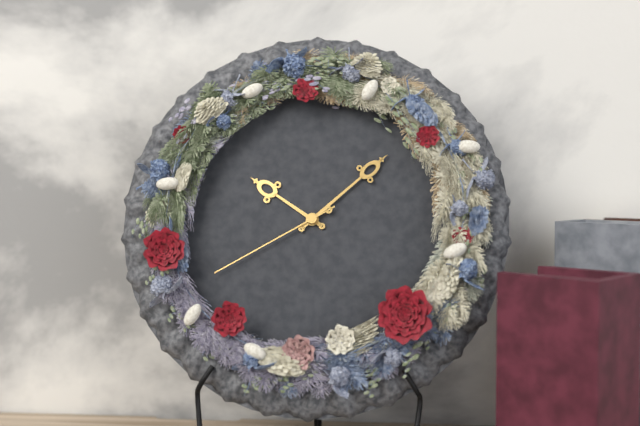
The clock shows 10:08:40
